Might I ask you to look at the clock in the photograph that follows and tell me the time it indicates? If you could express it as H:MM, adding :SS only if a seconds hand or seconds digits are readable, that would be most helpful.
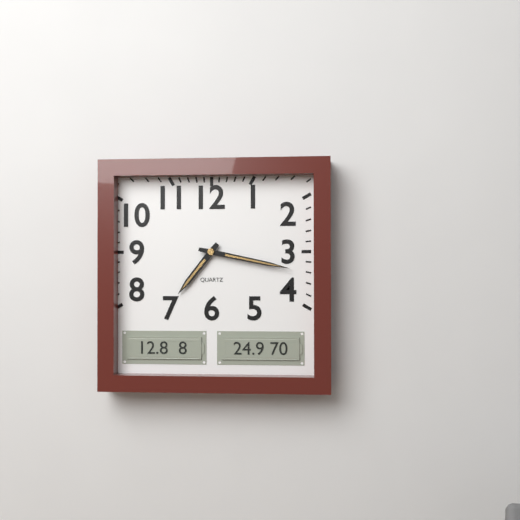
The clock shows 7:17
